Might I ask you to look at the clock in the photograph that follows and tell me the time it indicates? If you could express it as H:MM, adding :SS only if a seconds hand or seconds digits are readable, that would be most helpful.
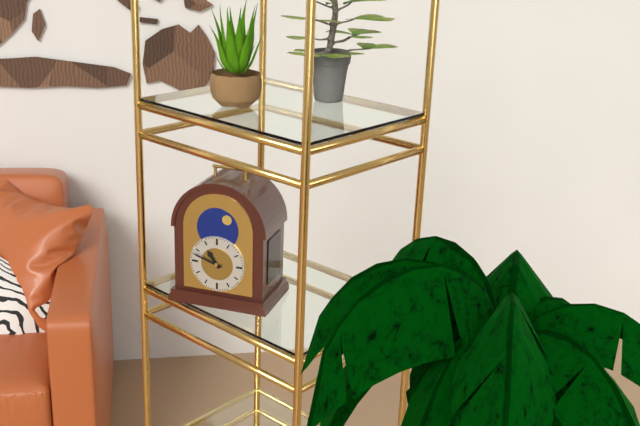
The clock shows 10:48
